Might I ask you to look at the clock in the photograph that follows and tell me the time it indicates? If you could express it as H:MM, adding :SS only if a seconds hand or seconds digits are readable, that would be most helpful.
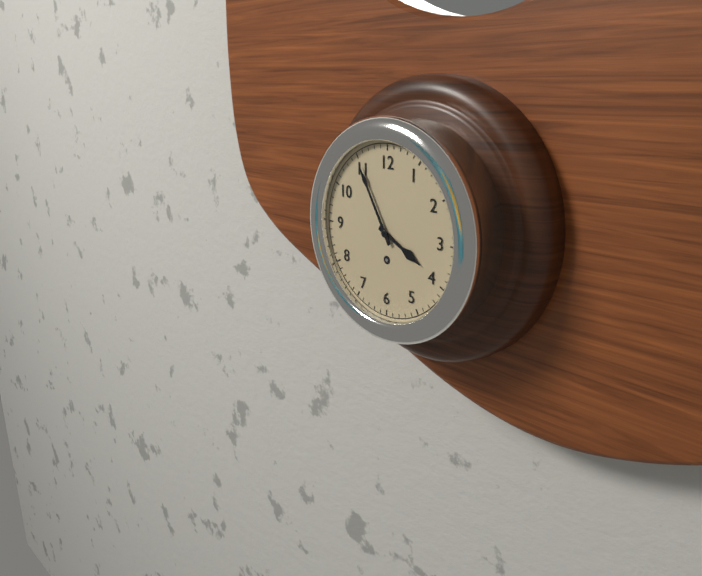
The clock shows 3:55
